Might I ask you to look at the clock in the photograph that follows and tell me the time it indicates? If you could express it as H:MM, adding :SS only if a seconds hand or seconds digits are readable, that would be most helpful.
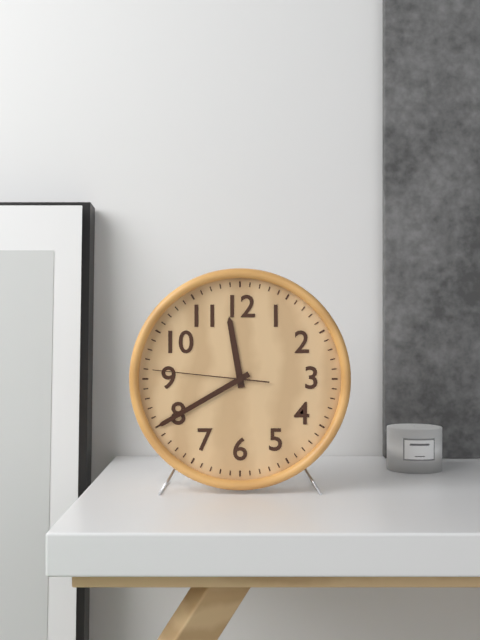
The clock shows 11:40:46
